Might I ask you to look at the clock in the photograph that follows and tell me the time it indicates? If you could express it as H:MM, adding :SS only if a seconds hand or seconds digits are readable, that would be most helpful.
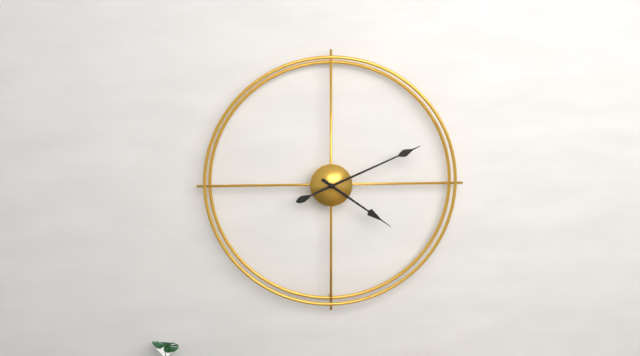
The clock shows 4:11
